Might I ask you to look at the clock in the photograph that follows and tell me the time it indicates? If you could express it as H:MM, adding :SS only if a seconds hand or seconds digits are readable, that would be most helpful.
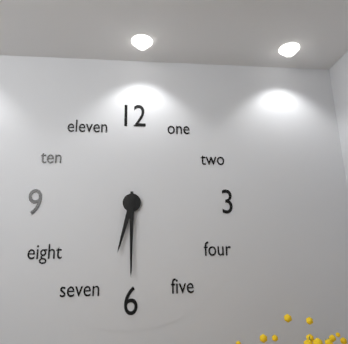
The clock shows 6:30
